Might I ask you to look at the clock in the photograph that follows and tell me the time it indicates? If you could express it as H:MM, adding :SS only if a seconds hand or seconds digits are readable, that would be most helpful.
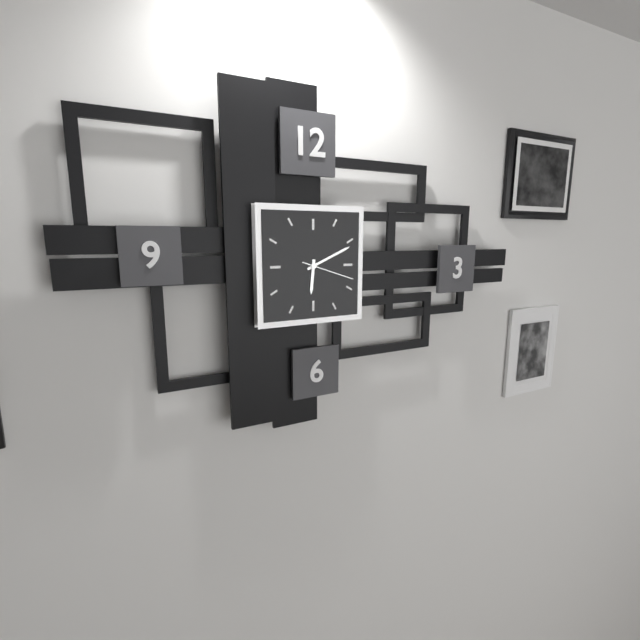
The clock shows 6:11:18
